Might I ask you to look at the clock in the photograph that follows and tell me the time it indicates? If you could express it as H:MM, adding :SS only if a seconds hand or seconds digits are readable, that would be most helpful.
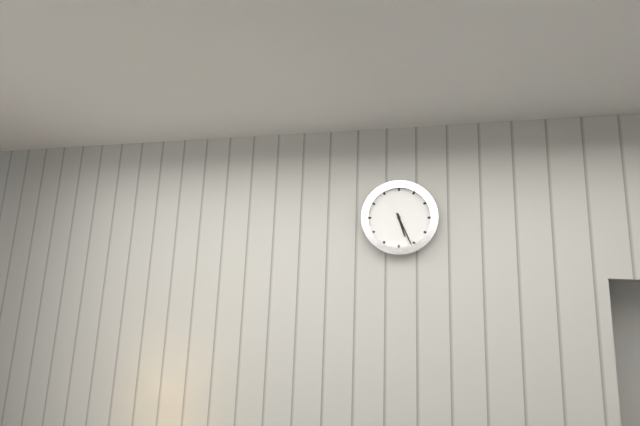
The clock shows 5:26
